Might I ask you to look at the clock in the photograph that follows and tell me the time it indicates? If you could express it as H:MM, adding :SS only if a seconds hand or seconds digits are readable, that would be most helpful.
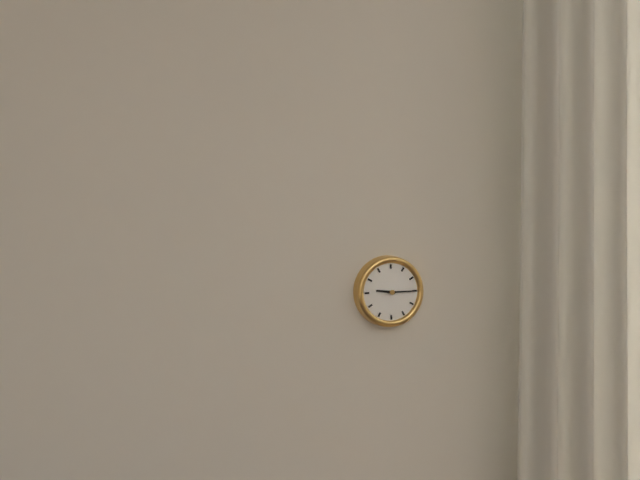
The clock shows 9:15
